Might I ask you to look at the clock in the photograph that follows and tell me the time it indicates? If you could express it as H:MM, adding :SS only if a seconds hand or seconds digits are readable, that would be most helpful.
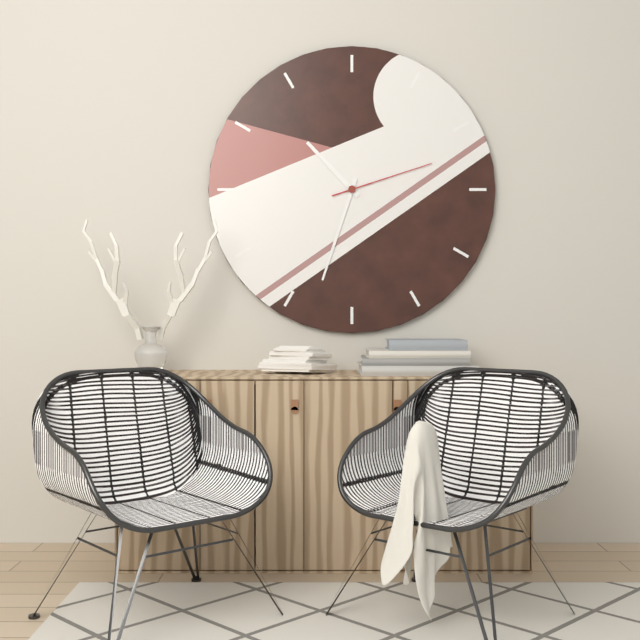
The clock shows 10:33:12
